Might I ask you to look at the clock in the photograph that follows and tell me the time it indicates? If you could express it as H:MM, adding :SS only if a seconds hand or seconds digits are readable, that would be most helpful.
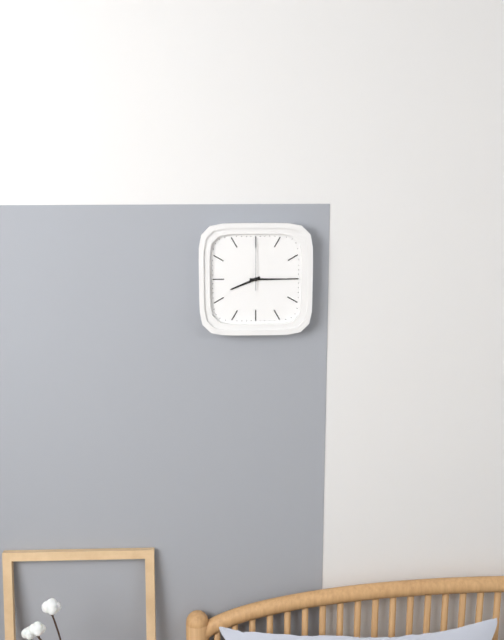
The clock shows 8:15:00
